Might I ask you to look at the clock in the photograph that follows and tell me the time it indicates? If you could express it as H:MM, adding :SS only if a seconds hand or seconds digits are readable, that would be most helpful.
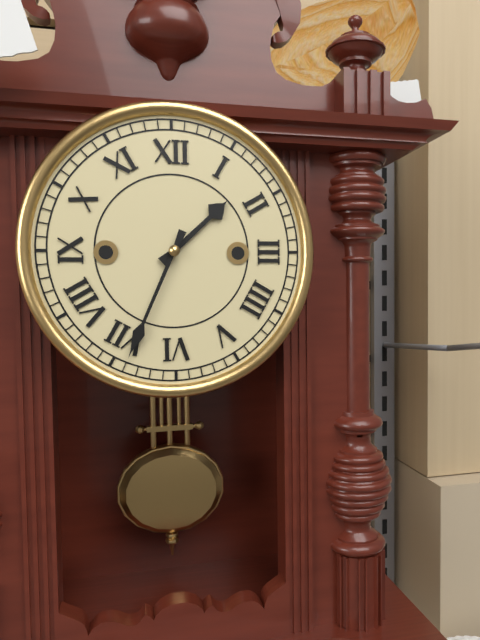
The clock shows 1:34
